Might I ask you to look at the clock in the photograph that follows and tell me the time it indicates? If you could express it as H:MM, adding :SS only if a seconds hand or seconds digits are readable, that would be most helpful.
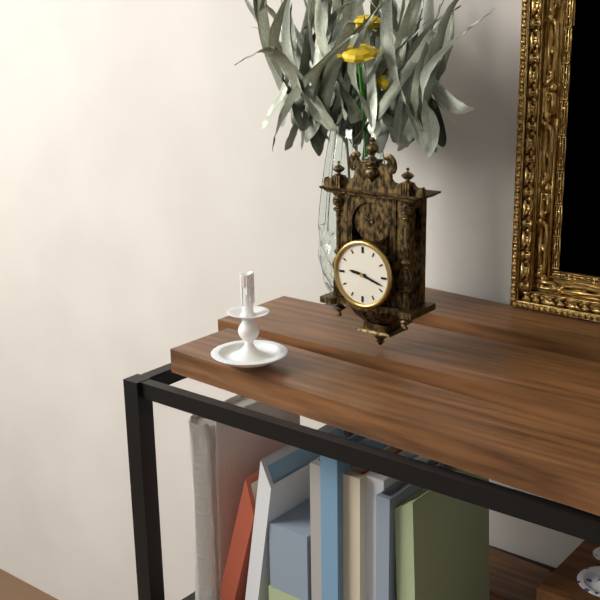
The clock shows 9:18
